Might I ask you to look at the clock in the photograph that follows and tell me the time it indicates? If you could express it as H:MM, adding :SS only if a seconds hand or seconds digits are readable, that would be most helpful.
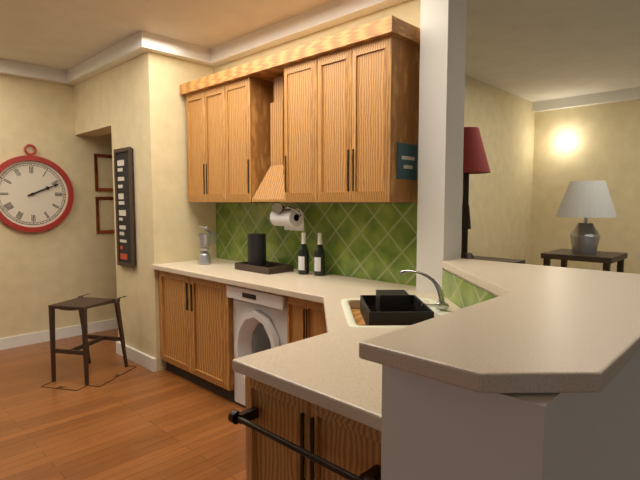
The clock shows 2:11
